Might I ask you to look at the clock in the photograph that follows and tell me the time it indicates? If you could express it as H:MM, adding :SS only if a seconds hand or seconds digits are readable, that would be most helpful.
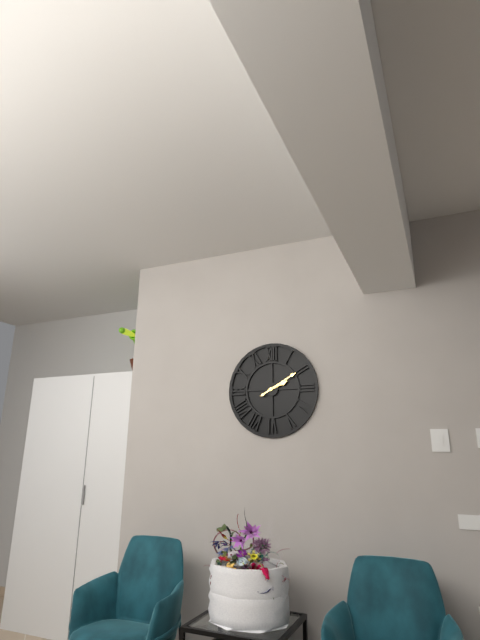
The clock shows 2:10
